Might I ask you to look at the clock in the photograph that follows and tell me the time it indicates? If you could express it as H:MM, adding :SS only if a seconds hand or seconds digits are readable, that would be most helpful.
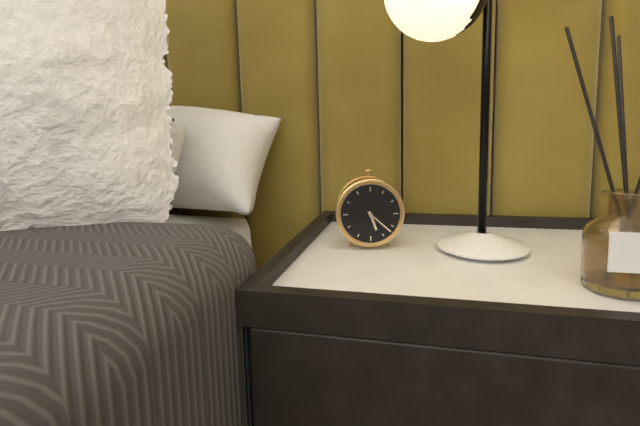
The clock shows 5:22
